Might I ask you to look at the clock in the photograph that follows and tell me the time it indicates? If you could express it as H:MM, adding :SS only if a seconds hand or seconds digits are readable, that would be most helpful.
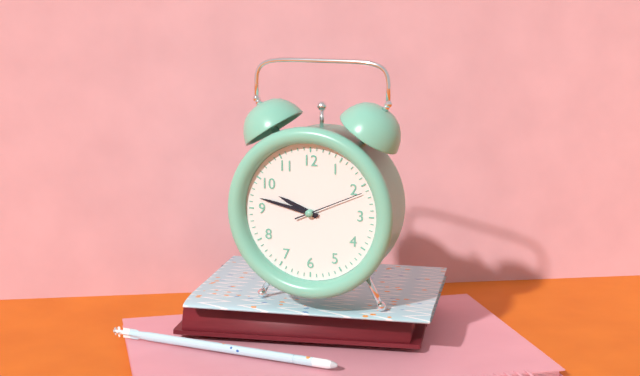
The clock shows 9:47:11
